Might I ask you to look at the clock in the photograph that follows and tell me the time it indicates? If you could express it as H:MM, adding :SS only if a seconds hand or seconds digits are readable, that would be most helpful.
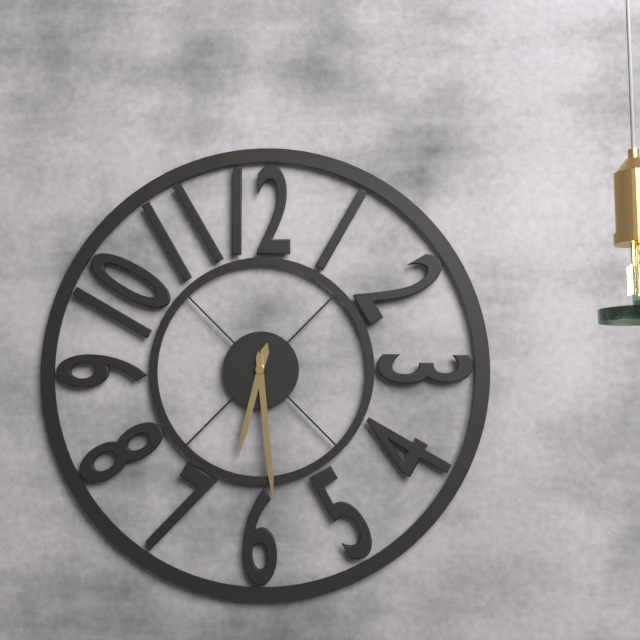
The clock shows 6:29
